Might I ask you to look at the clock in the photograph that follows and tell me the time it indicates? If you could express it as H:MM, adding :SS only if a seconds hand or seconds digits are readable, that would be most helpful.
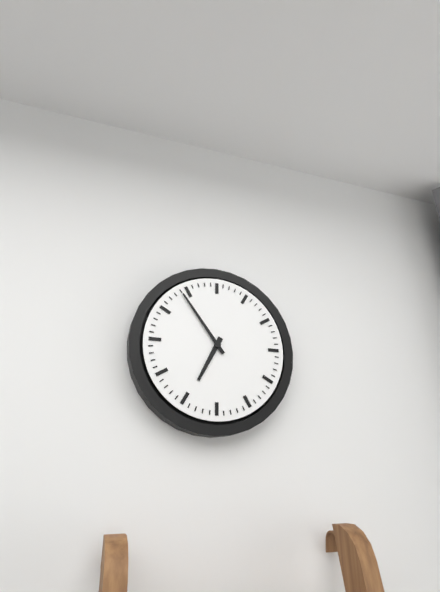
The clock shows 6:54
